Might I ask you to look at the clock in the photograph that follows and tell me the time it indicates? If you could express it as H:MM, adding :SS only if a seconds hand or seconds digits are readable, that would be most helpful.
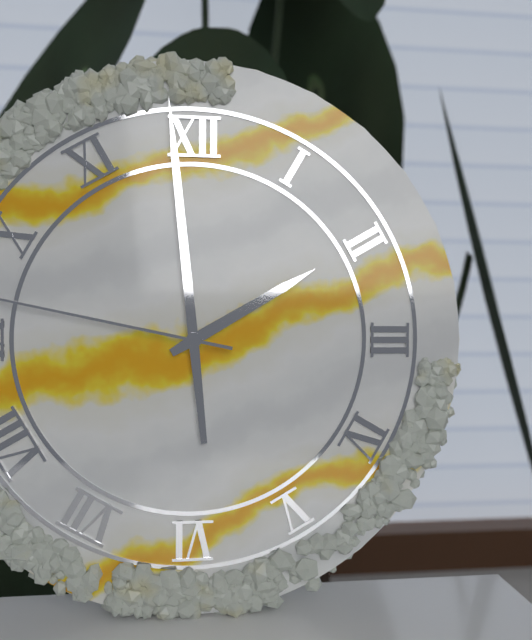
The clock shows 1:59
